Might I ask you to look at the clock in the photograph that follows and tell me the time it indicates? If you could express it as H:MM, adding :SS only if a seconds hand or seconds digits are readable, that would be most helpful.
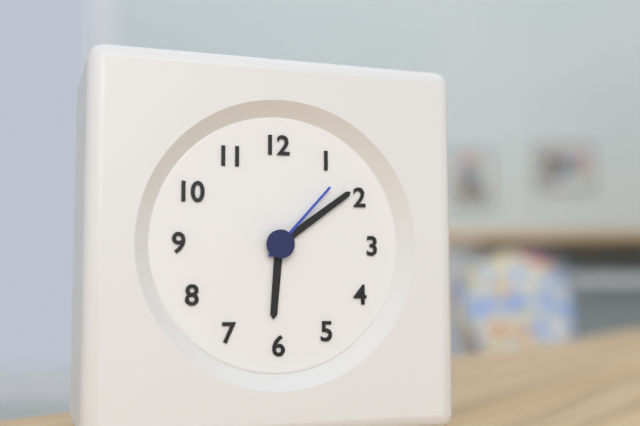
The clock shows 6:09:07
